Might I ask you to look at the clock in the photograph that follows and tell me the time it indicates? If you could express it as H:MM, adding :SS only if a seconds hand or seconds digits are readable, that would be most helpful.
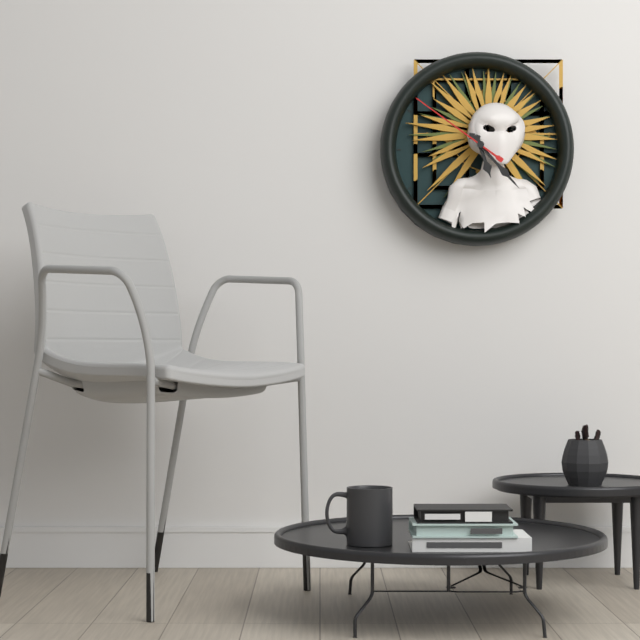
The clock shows 5:23:51
